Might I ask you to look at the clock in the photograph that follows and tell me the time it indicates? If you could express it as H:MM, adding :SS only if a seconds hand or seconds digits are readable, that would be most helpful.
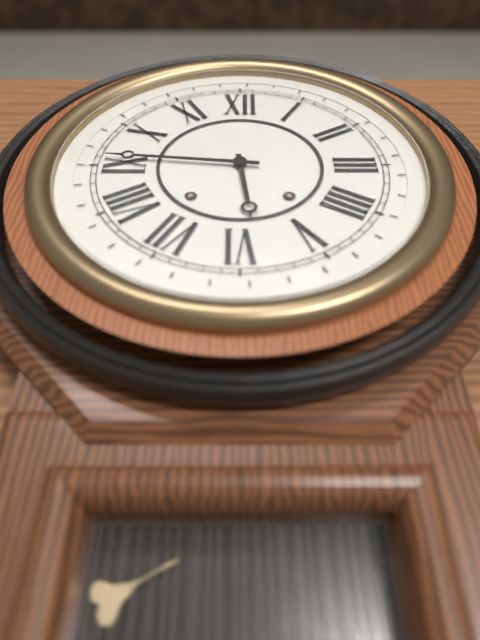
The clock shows 5:46
